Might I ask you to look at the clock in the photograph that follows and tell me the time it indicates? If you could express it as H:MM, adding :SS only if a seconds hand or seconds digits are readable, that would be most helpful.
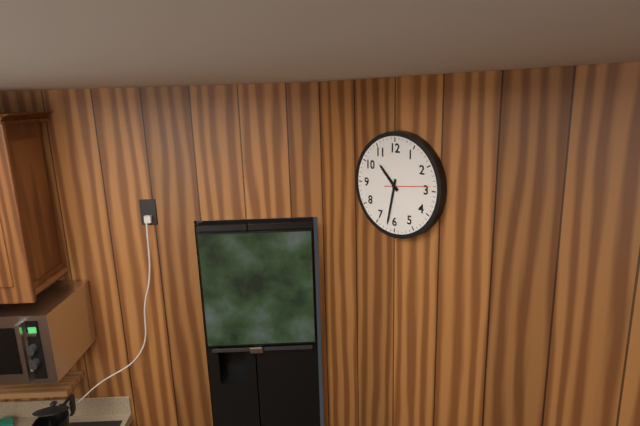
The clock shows 10:32
